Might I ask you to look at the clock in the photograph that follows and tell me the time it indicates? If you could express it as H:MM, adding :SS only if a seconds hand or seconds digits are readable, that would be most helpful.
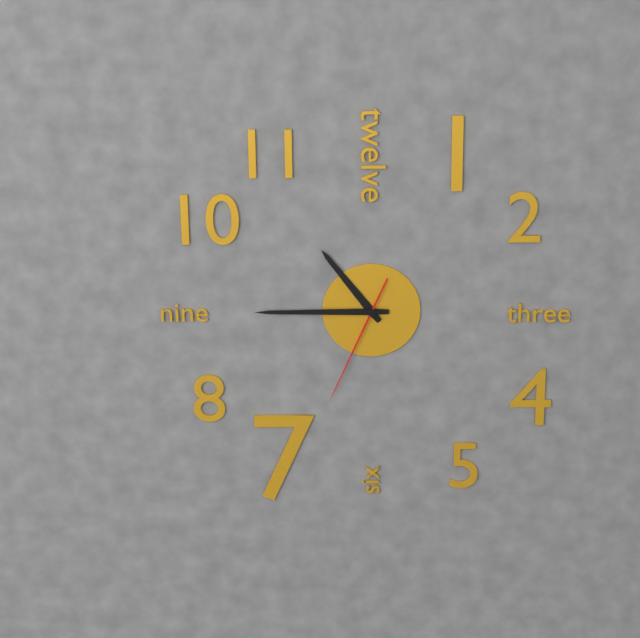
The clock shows 10:45:34
